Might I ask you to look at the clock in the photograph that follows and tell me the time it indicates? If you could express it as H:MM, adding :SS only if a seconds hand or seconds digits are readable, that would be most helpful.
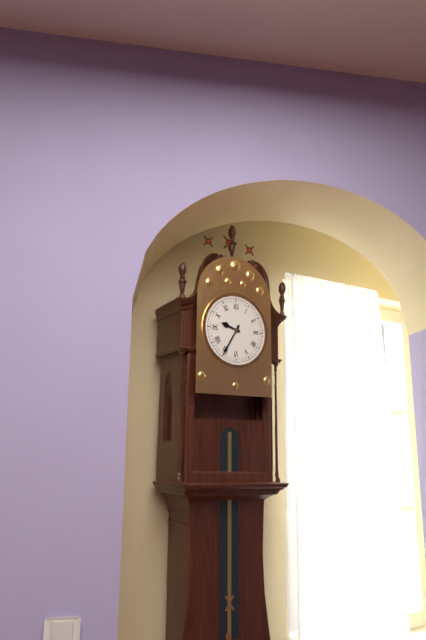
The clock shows 9:35
